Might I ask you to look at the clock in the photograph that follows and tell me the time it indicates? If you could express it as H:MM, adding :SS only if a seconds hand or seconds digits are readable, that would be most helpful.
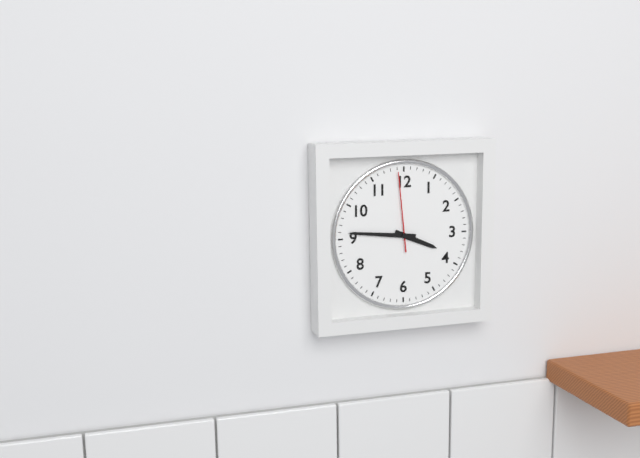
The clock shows 3:46:59
